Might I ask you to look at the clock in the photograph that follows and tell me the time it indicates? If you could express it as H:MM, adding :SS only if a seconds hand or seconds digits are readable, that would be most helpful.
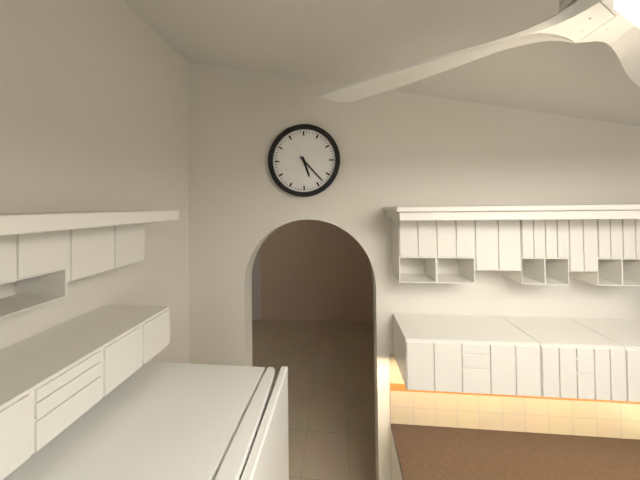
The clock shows 5:23
